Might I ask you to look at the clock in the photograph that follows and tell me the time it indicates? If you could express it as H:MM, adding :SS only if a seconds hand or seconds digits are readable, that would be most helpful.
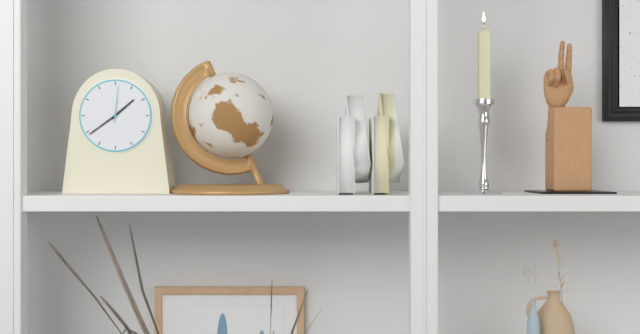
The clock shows 1:39
